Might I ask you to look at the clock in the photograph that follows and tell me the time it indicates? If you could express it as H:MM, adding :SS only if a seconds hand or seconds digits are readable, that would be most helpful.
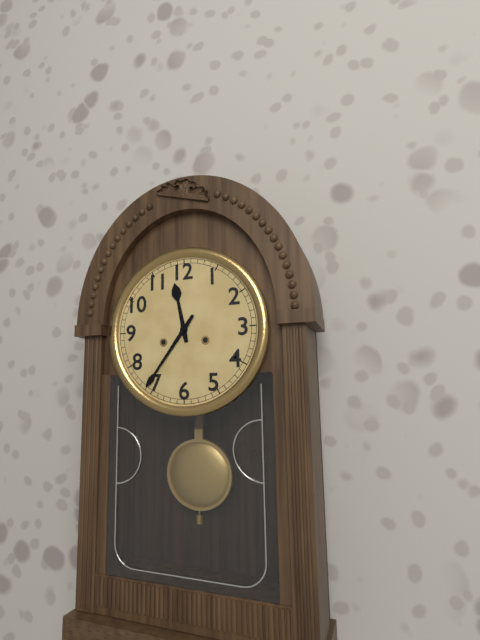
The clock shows 11:36
